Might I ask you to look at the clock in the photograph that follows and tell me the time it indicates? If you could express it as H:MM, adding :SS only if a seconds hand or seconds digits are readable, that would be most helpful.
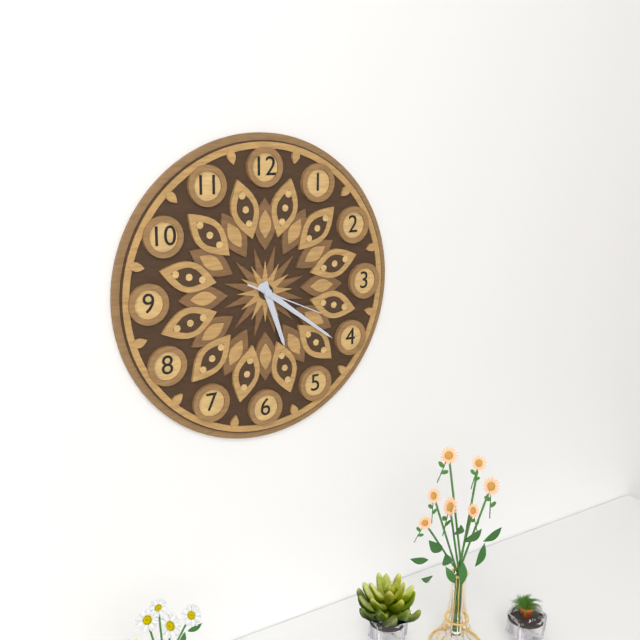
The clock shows 5:21:19
